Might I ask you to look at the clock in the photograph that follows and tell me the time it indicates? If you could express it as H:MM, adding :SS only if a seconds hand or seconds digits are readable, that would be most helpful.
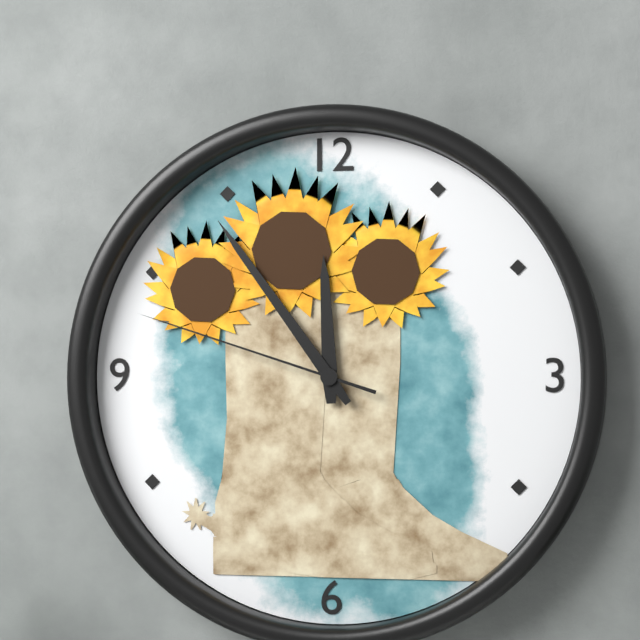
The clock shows 11:54:48
